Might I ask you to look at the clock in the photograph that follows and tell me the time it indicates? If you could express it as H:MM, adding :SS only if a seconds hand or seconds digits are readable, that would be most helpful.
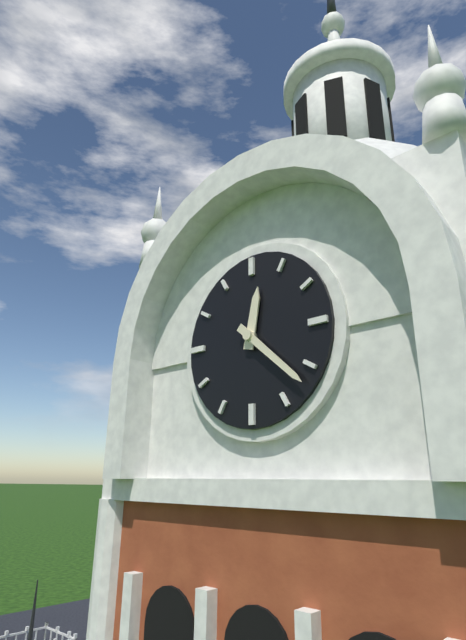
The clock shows 12:22
